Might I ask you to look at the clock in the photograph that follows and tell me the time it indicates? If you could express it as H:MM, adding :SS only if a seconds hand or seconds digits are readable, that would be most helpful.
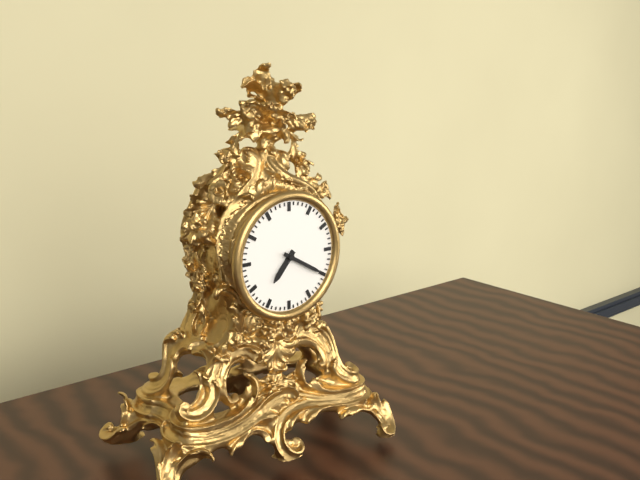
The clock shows 7:20
